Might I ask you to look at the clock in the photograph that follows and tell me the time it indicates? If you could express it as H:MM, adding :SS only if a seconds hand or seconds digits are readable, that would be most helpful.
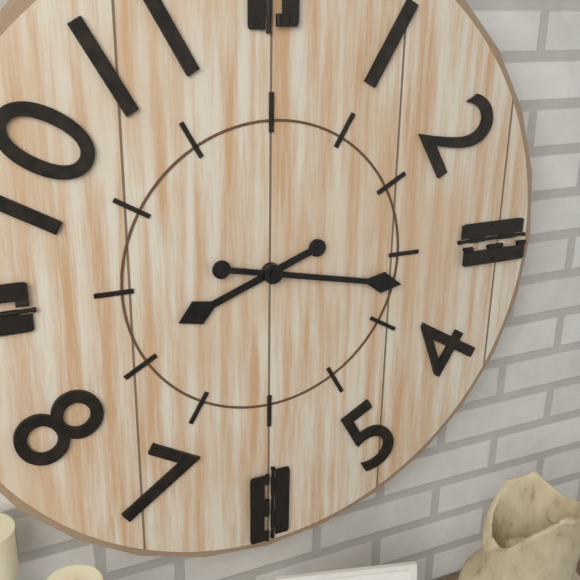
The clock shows 8:17
